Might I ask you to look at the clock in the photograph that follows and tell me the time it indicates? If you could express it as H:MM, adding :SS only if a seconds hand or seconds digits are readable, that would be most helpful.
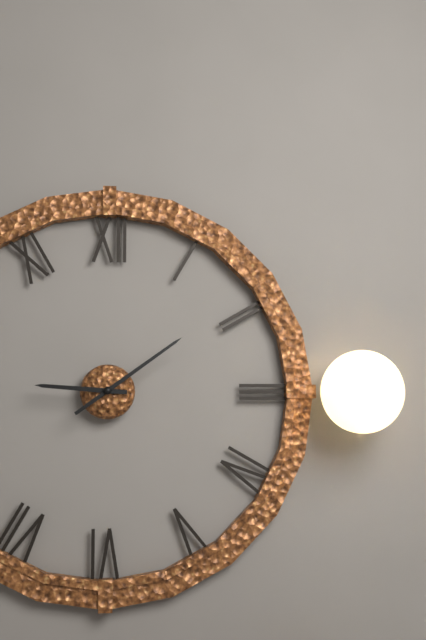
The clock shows 9:09
